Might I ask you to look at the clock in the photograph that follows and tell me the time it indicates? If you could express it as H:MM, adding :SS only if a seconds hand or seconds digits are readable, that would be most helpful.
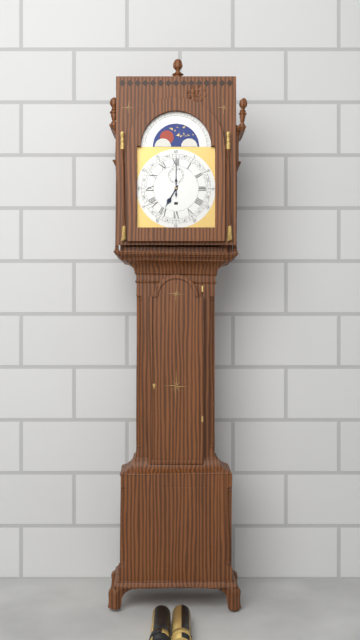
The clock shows 7:00
